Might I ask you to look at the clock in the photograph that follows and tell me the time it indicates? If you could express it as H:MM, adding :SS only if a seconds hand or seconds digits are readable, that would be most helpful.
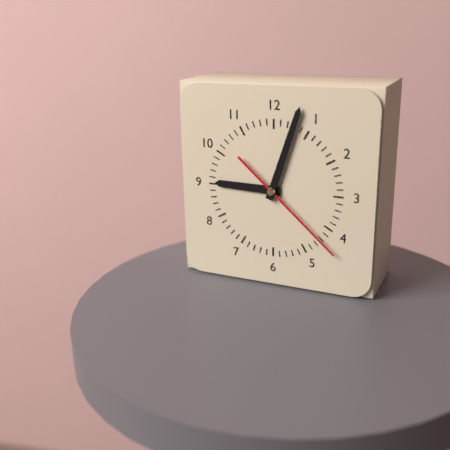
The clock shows 9:03:22
